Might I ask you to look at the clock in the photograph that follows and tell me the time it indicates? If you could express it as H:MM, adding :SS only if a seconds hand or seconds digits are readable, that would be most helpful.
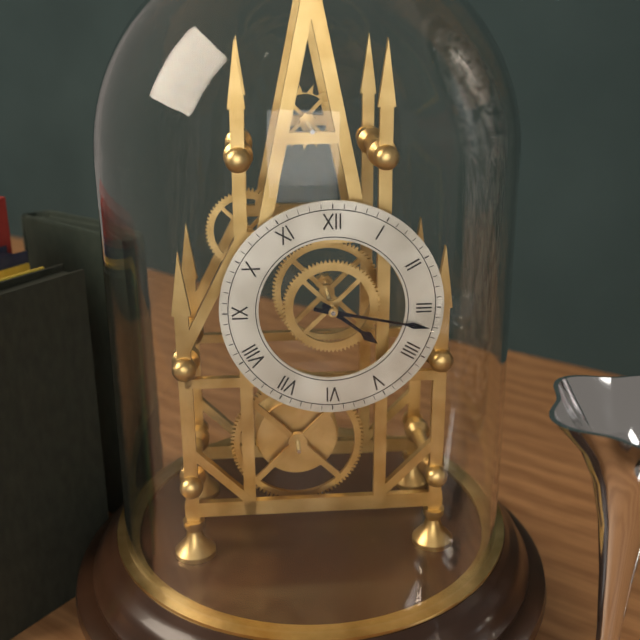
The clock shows 4:17
